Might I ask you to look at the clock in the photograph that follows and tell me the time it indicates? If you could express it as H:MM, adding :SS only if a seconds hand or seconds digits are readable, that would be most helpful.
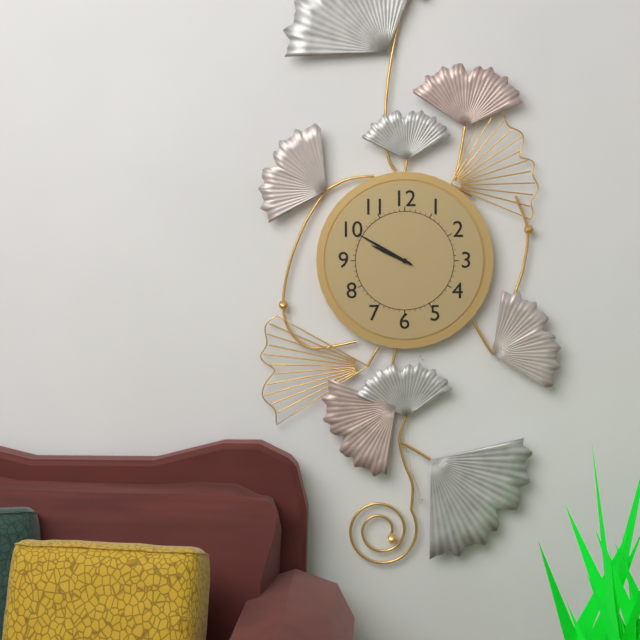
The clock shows 9:50
